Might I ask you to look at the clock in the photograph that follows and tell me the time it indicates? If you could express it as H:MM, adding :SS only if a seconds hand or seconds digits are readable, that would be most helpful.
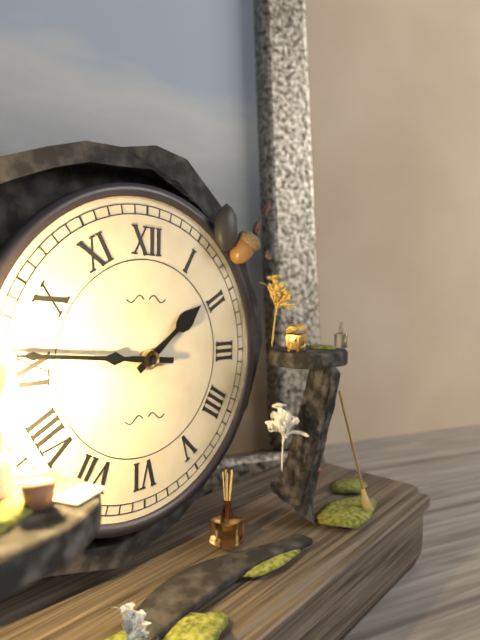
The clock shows 1:46
